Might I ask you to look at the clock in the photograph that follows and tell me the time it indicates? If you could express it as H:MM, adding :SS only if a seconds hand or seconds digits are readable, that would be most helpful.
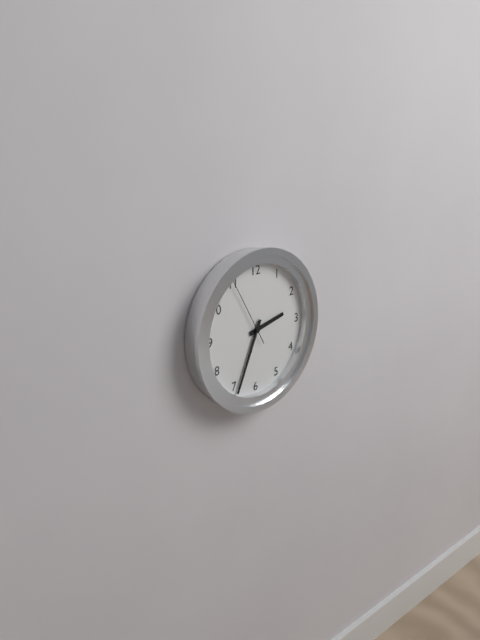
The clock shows 2:34:55
